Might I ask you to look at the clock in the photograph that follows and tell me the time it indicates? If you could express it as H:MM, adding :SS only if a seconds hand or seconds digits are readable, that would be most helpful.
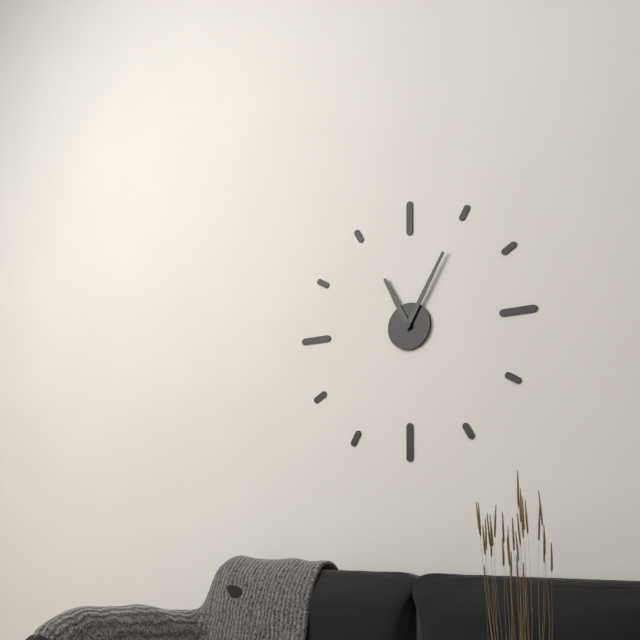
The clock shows 11:05
